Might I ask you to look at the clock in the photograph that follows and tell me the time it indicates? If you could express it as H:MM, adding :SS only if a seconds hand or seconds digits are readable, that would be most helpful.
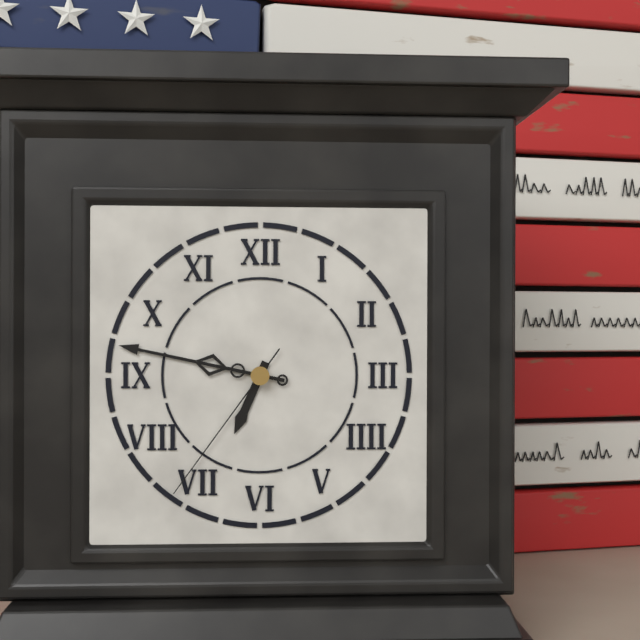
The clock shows 6:47:36
